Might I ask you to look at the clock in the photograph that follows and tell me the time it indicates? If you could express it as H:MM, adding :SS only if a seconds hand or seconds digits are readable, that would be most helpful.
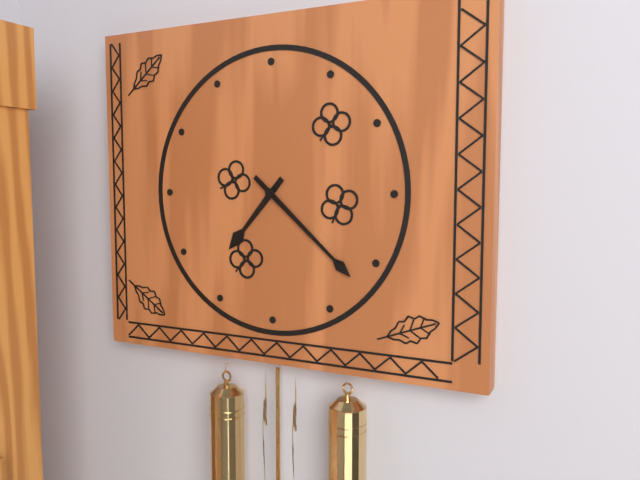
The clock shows 7:22
